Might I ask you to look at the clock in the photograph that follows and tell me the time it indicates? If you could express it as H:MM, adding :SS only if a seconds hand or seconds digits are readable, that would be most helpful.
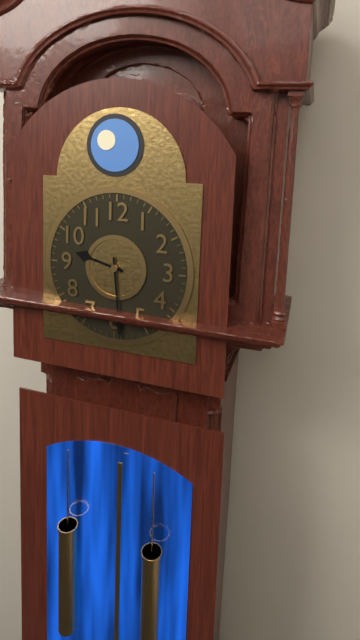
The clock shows 9:29
